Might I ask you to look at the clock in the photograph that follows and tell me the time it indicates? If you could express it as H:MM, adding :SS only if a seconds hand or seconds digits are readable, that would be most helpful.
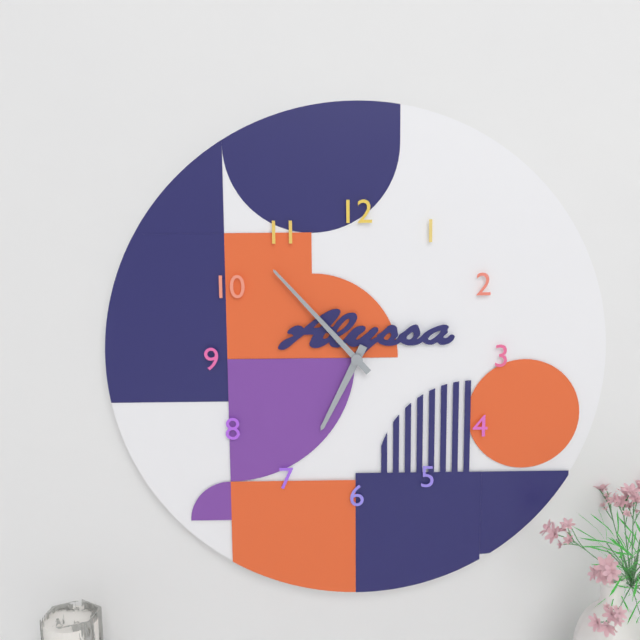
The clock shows 6:53
